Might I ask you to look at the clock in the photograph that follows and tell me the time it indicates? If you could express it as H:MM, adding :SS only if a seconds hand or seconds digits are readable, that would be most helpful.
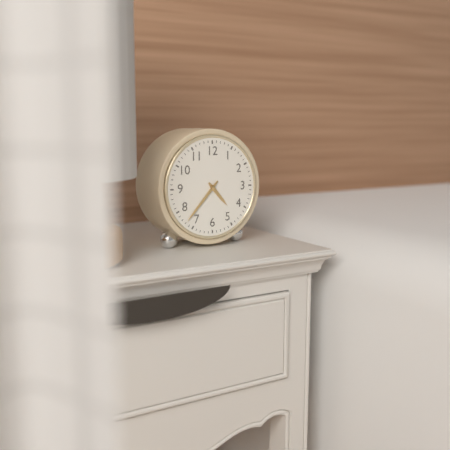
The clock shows 4:37
